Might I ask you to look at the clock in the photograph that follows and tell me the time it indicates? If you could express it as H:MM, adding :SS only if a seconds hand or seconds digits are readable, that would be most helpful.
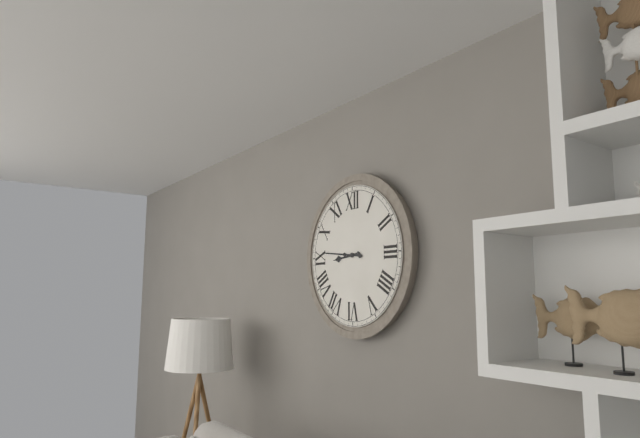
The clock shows 8:46
